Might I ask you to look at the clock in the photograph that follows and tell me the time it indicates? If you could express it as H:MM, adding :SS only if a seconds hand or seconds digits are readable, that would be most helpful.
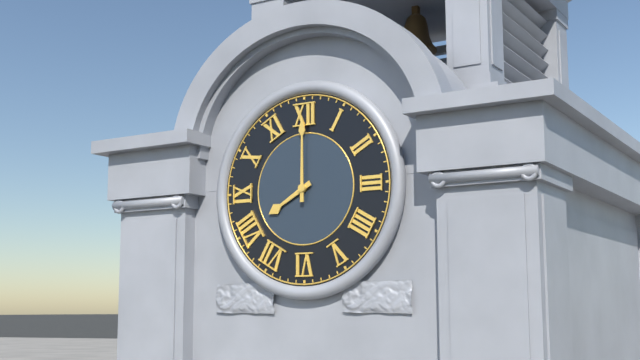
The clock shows 8:00
